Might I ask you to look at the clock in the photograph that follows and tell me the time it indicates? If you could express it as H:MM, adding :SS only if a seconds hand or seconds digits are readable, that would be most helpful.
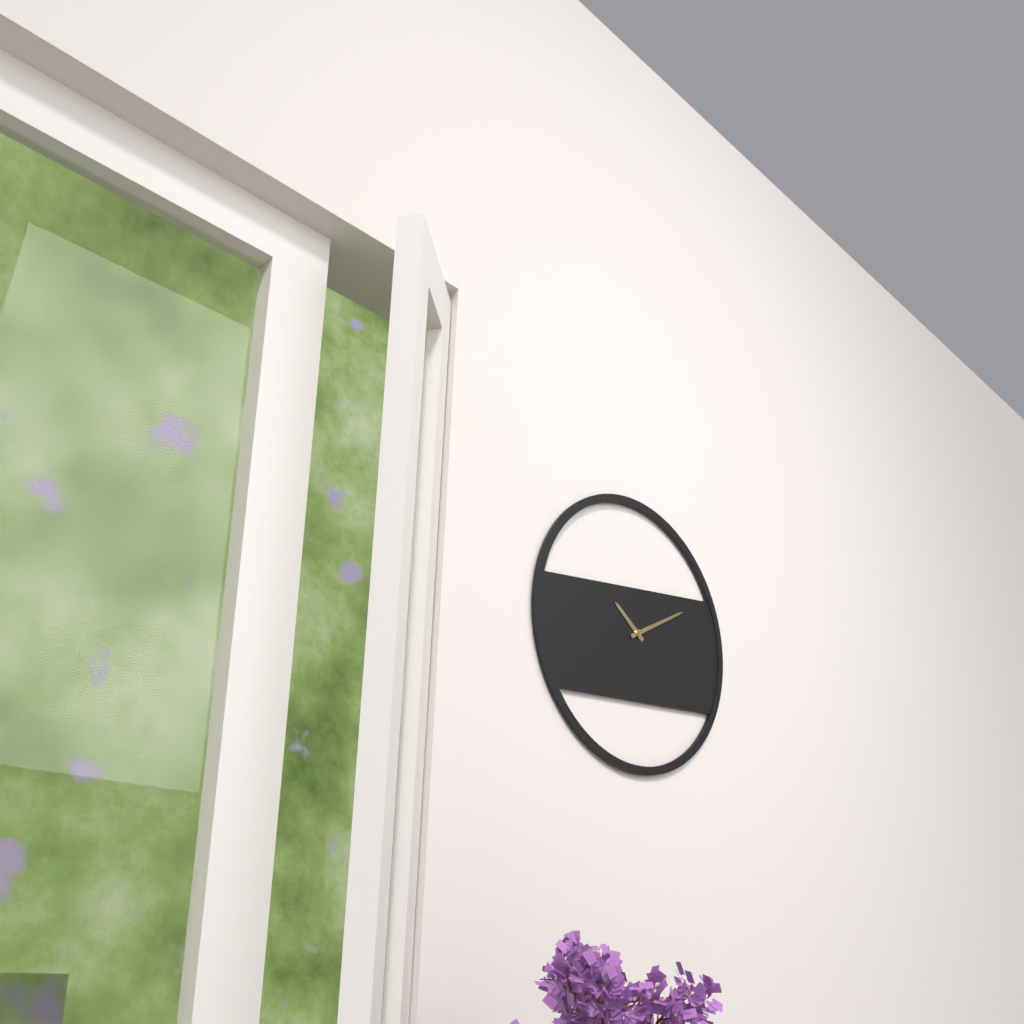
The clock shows 10:10
